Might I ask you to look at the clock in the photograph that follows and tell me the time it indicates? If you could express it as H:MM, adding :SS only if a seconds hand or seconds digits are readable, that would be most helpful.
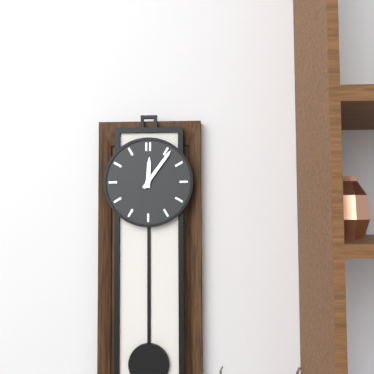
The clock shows 12:06
